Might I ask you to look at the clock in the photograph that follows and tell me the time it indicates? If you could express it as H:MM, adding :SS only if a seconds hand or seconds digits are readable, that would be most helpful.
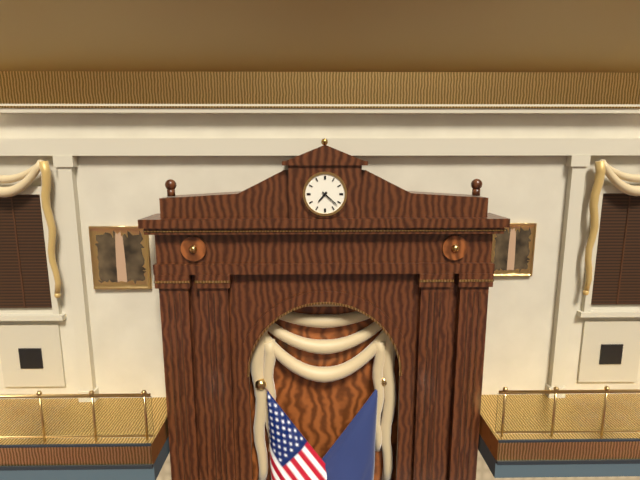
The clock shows 7:22
